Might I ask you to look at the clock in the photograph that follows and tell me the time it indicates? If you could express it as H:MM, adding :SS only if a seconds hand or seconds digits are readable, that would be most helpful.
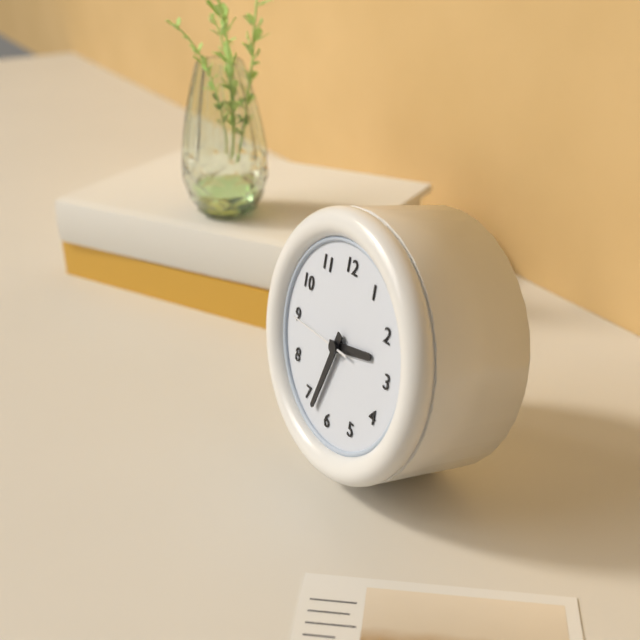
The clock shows 2:33:45
